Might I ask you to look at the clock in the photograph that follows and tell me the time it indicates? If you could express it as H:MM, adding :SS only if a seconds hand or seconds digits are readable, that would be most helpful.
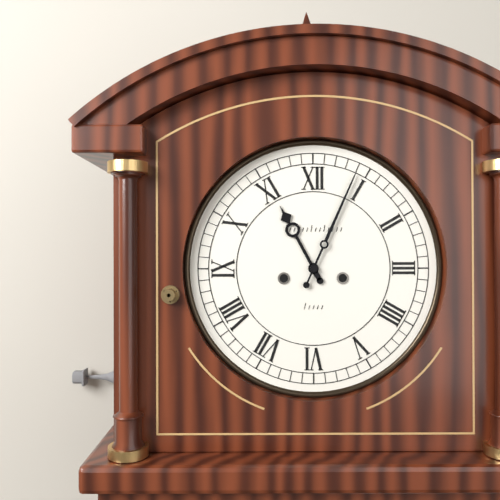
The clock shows 11:04
